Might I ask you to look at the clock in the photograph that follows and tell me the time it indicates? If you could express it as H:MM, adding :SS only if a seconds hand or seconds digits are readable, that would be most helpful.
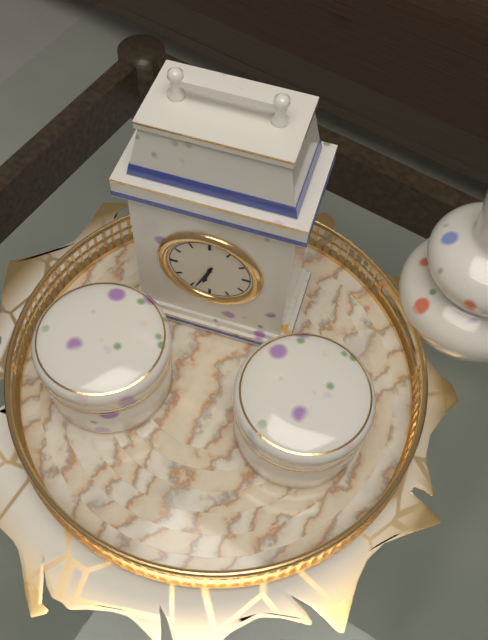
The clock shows 6:34
